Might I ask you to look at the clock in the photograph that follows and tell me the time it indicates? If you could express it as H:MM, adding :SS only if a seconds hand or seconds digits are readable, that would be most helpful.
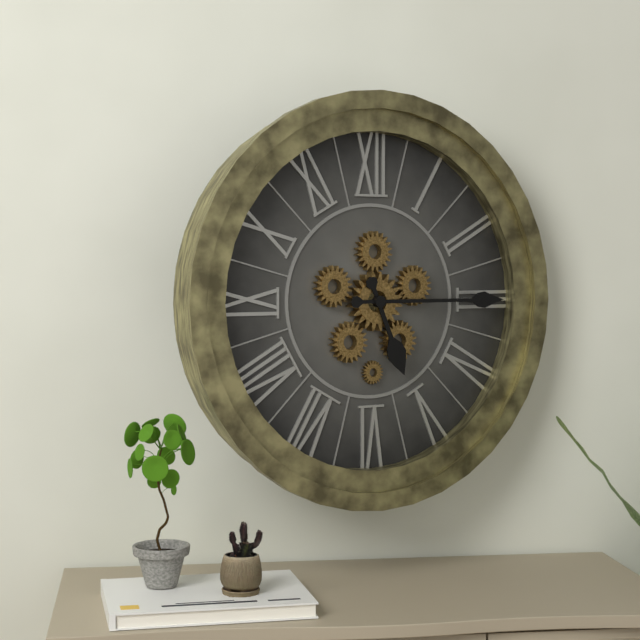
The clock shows 5:15
